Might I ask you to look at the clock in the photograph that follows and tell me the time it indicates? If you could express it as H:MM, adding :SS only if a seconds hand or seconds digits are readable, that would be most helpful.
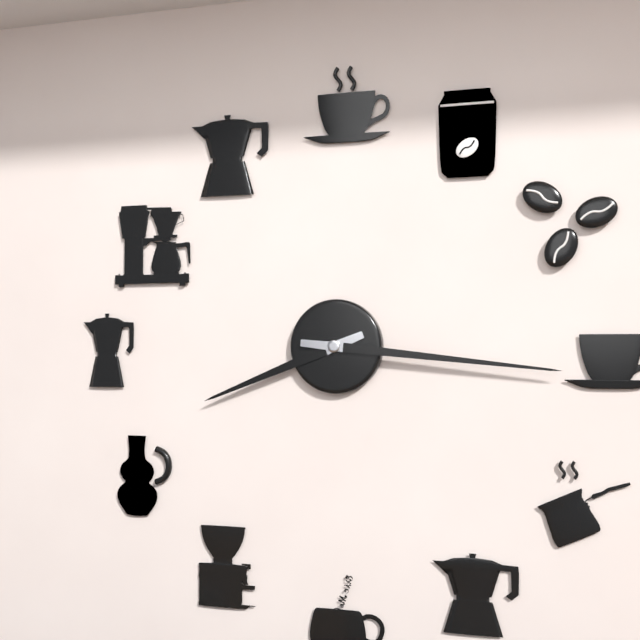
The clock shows 8:16
